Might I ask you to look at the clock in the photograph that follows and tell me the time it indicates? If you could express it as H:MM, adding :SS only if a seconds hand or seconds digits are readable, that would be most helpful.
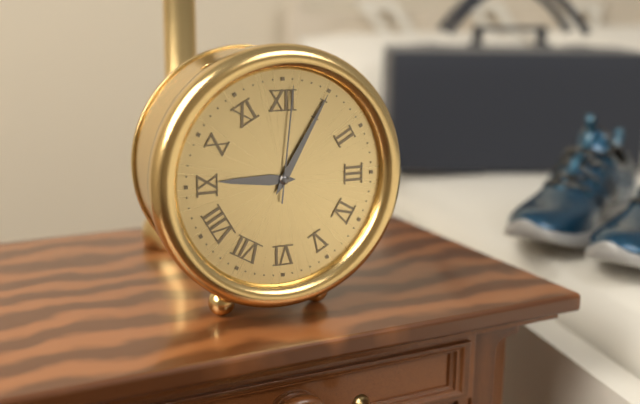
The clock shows 9:05:01
